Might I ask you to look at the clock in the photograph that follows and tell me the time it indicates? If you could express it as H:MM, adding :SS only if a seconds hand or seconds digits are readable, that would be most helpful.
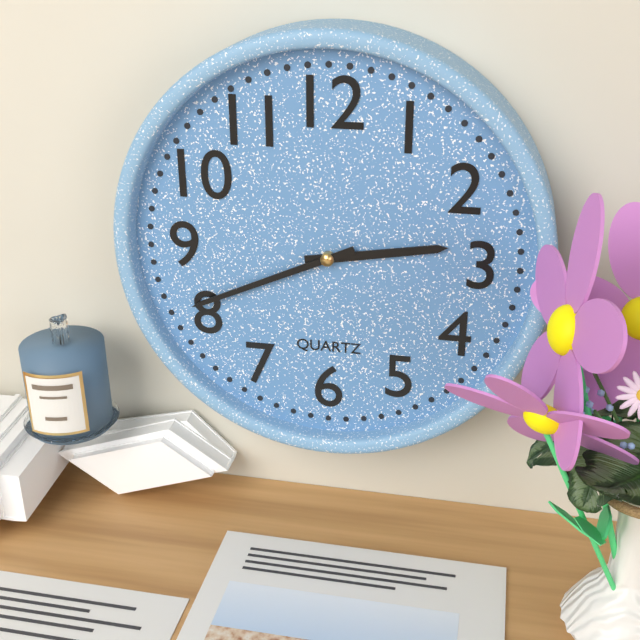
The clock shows 2:41
